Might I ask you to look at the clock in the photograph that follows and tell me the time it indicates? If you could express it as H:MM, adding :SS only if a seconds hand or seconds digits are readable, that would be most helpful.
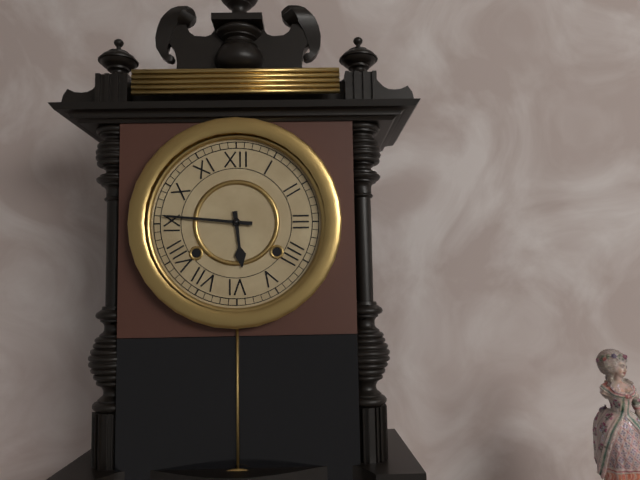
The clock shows 5:46
